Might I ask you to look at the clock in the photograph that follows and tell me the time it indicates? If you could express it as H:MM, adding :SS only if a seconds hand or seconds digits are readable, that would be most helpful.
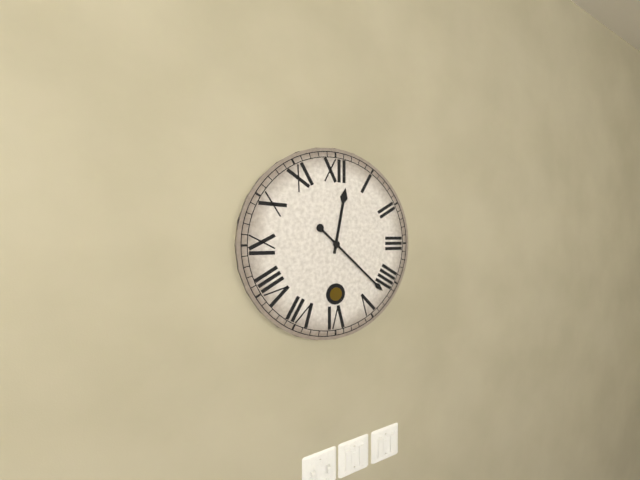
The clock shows 12:22
